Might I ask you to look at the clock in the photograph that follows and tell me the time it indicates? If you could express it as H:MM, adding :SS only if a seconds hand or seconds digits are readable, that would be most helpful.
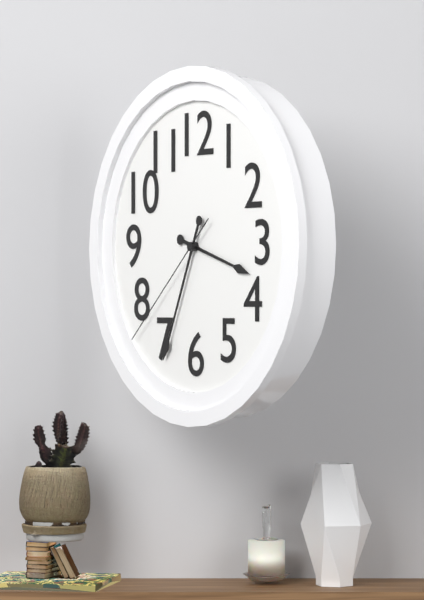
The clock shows 3:34:38
